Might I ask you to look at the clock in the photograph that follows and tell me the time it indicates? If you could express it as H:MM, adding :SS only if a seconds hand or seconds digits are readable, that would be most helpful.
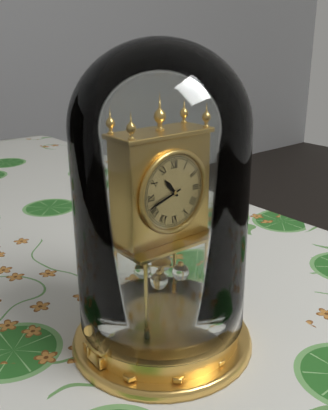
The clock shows 10:42
